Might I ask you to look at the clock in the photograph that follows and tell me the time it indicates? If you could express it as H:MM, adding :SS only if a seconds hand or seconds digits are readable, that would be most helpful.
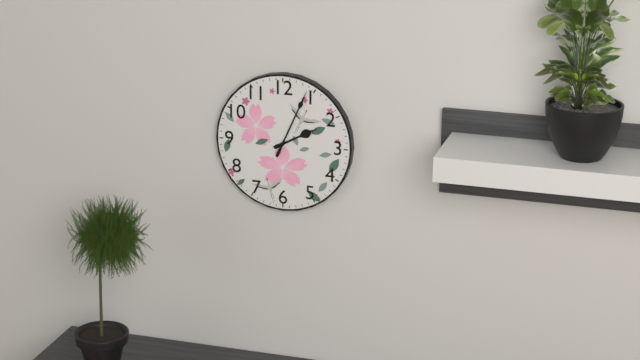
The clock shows 2:04
